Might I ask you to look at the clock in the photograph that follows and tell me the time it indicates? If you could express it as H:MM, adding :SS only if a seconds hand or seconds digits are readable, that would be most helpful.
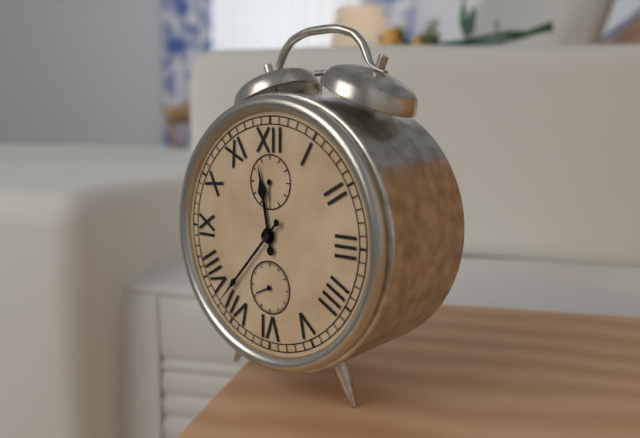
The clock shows 11:37
